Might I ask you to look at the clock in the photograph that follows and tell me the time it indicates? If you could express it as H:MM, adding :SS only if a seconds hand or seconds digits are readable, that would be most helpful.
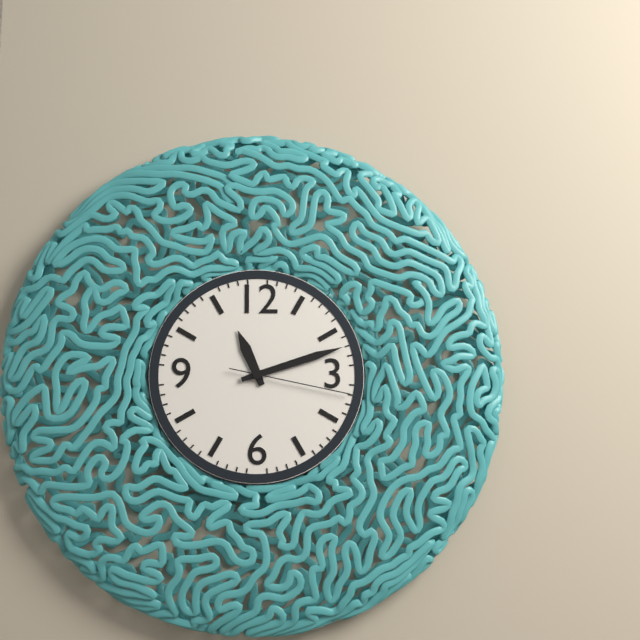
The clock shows 11:12:17
